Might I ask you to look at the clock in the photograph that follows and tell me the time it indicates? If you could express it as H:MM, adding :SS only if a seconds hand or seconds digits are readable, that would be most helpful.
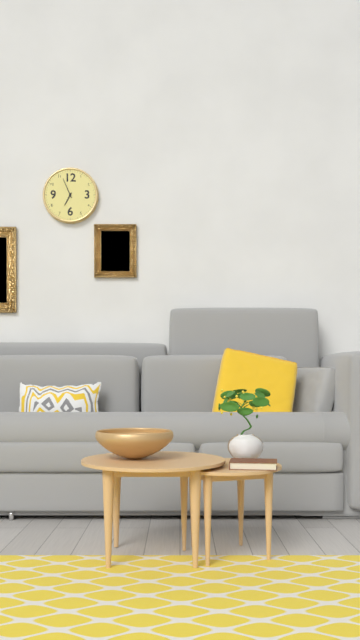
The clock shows 6:56
